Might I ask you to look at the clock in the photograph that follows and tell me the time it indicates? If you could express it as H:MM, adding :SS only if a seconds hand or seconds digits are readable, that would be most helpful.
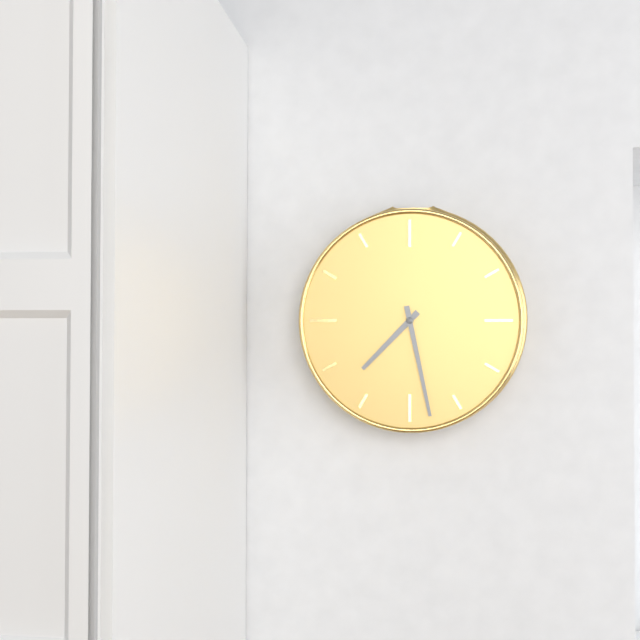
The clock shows 7:28
